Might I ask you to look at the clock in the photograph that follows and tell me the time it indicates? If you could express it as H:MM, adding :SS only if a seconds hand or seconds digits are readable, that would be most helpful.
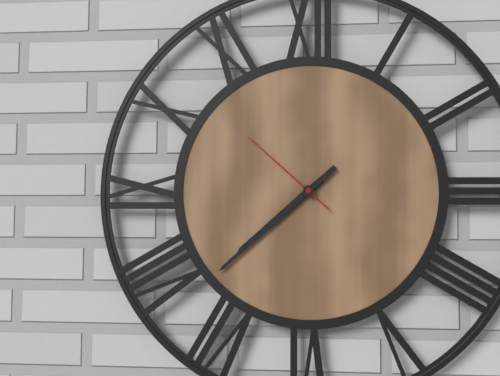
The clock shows 7:38:52
